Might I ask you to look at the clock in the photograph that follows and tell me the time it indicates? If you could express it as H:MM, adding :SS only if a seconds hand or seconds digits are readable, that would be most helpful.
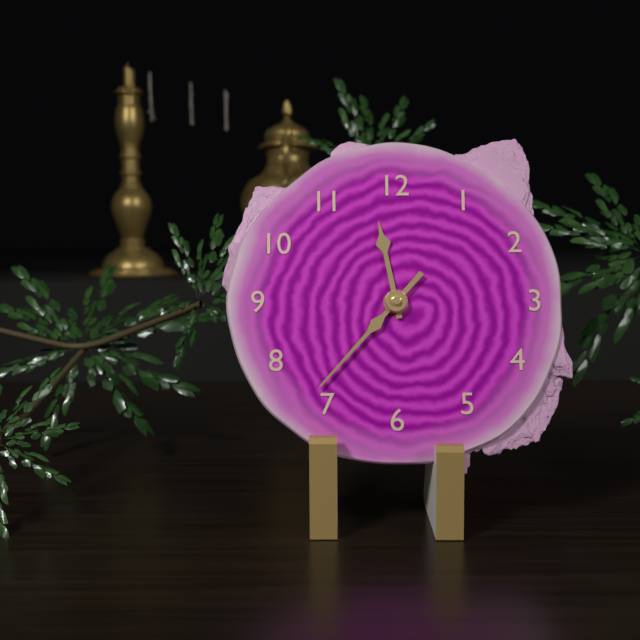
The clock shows 11:37
